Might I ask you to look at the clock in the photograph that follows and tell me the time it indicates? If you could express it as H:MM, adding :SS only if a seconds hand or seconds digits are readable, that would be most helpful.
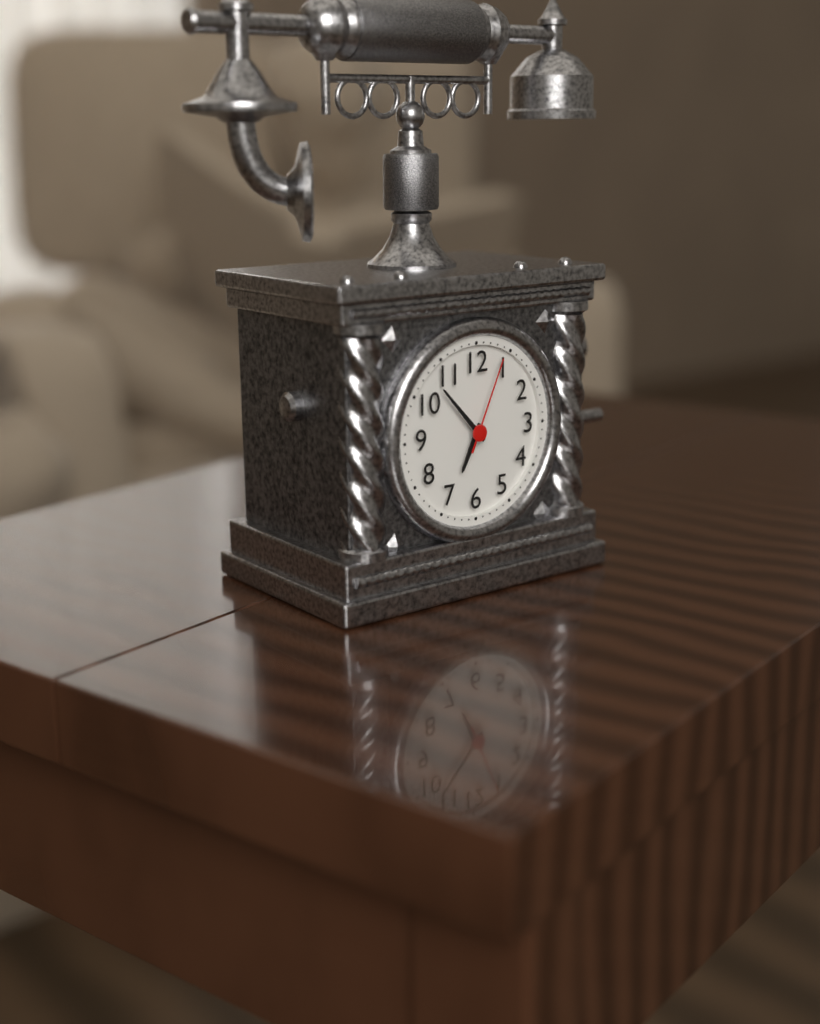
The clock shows 6:53:04
